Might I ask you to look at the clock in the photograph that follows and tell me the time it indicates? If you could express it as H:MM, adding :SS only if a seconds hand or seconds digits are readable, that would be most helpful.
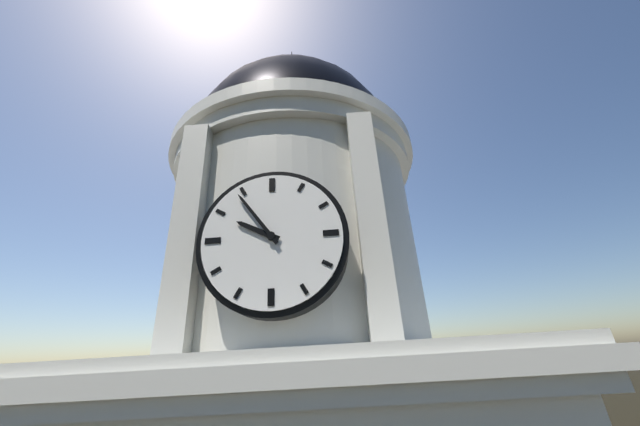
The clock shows 9:54
